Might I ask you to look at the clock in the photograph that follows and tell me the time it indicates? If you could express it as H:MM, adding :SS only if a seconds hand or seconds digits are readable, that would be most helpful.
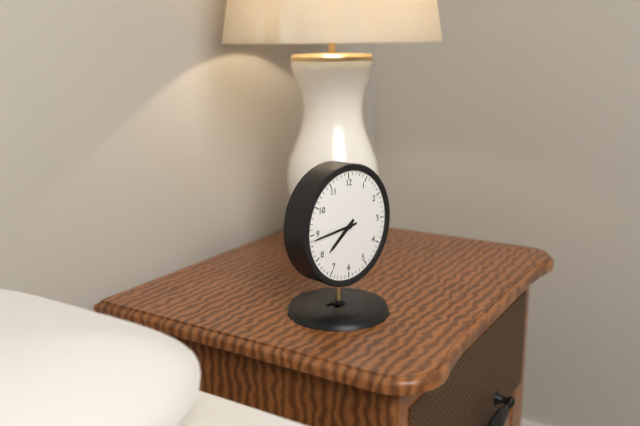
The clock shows 7:44
